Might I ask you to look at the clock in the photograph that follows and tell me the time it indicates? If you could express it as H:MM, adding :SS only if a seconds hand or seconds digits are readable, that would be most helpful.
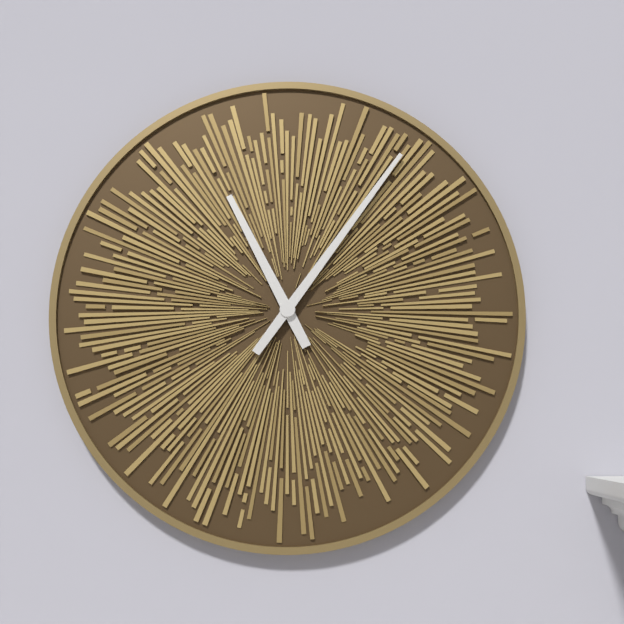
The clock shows 11:06
